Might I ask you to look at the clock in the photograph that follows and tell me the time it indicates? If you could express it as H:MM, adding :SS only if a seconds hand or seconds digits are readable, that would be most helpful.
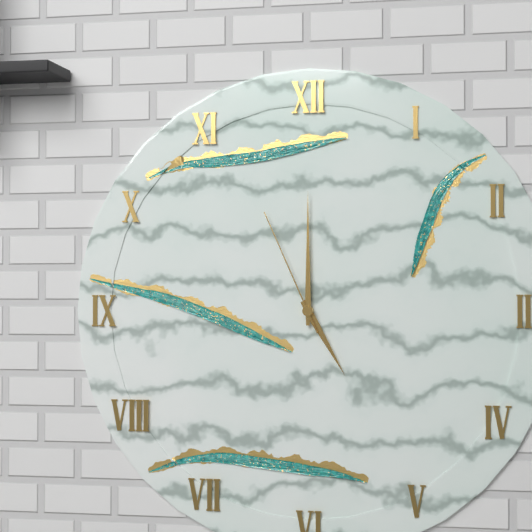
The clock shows 5:00:56
